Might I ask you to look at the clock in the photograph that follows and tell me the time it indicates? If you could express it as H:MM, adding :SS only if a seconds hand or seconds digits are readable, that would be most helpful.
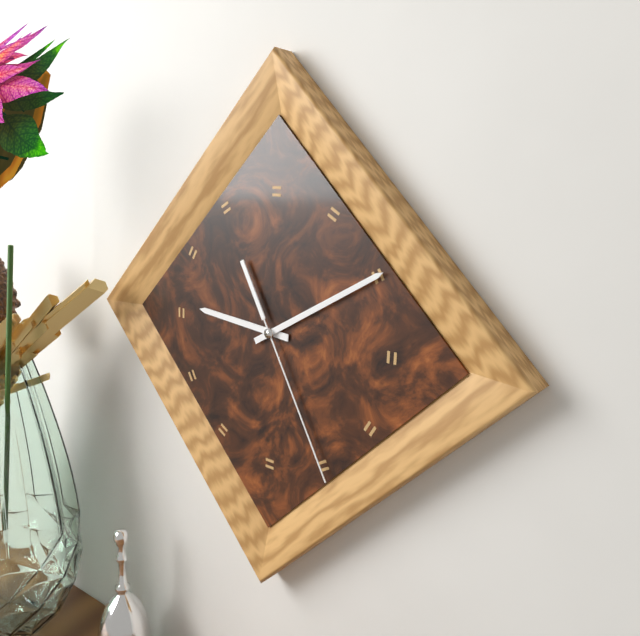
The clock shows 9:10:25
